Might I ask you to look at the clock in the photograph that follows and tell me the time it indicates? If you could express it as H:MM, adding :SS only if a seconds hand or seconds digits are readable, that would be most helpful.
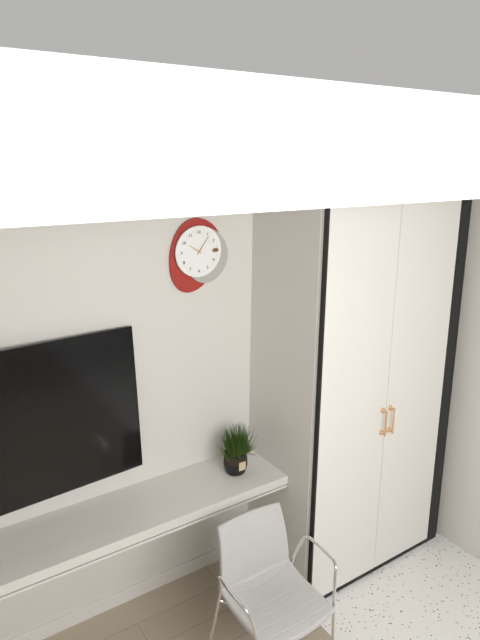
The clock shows 10:06
